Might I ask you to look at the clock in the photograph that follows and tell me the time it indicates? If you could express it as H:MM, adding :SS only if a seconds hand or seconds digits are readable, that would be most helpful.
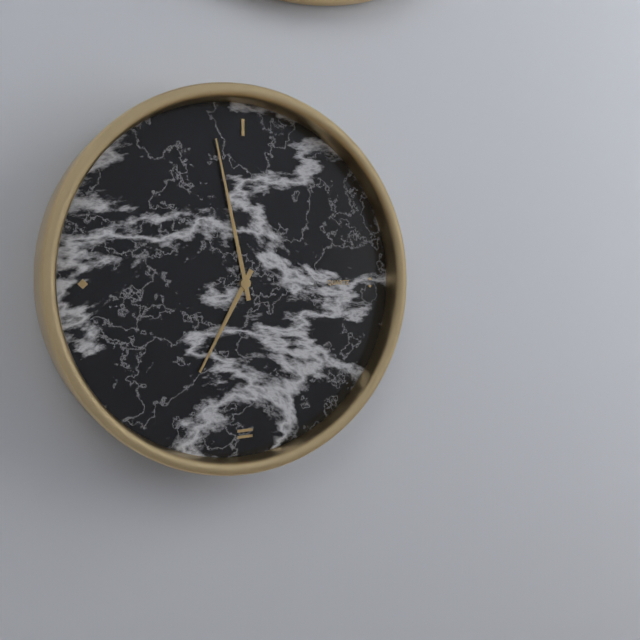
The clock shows 6:58
